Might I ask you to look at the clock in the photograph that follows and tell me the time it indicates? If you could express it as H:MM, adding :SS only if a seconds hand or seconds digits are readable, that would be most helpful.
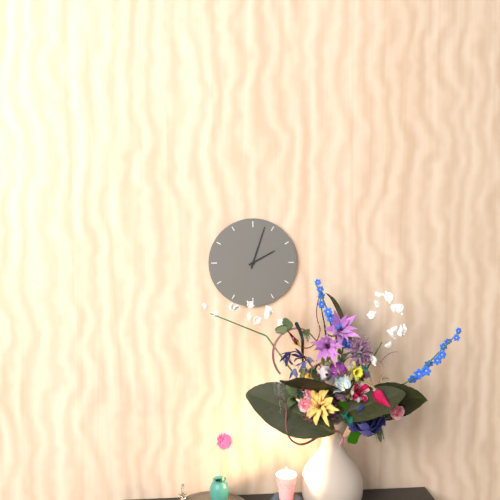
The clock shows 2:03
